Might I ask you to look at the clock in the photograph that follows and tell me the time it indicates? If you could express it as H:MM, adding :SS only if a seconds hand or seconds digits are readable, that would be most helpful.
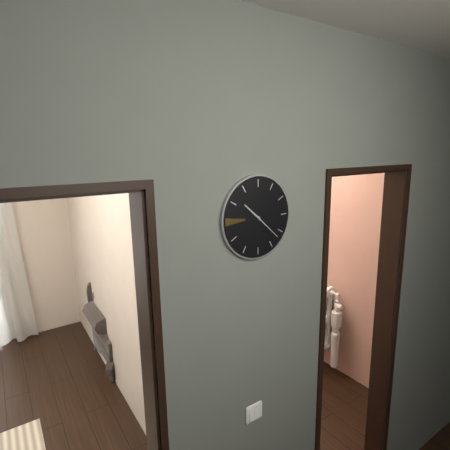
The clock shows 10:22
